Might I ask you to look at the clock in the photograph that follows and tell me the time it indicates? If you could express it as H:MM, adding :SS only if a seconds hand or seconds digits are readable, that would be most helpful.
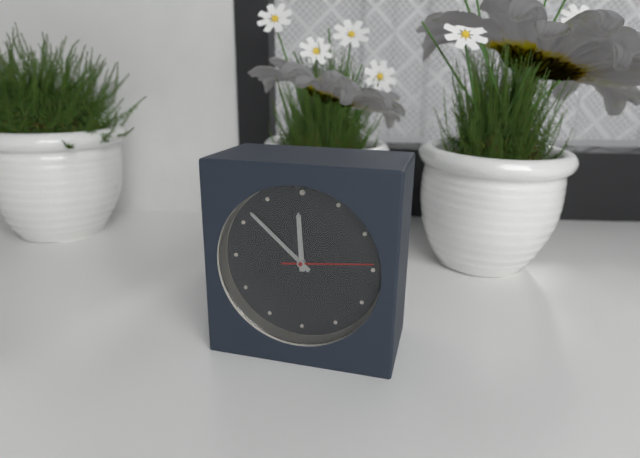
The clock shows 11:52:14
